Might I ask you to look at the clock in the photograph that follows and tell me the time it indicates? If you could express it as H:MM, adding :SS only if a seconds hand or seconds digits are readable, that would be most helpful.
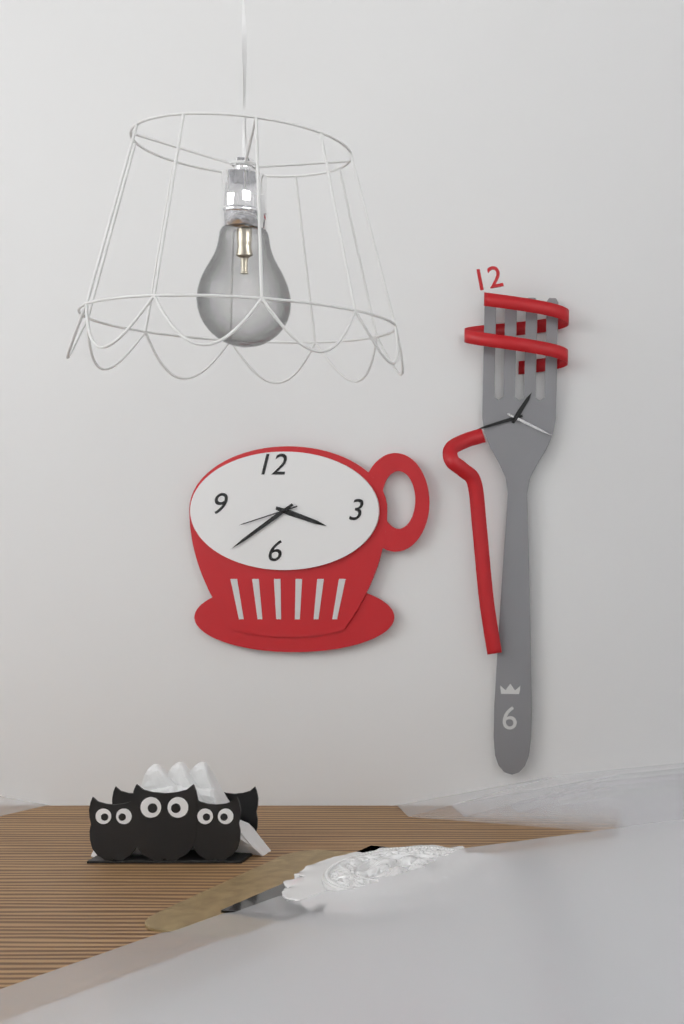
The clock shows 3:39:42
